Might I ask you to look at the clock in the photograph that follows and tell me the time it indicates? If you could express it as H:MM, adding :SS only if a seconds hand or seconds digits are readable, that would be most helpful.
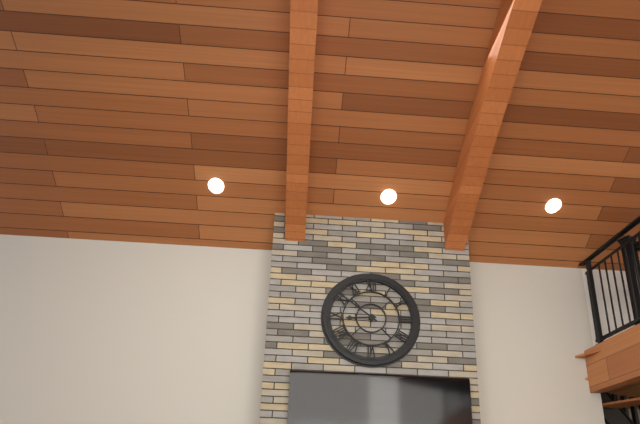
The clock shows 8:51
